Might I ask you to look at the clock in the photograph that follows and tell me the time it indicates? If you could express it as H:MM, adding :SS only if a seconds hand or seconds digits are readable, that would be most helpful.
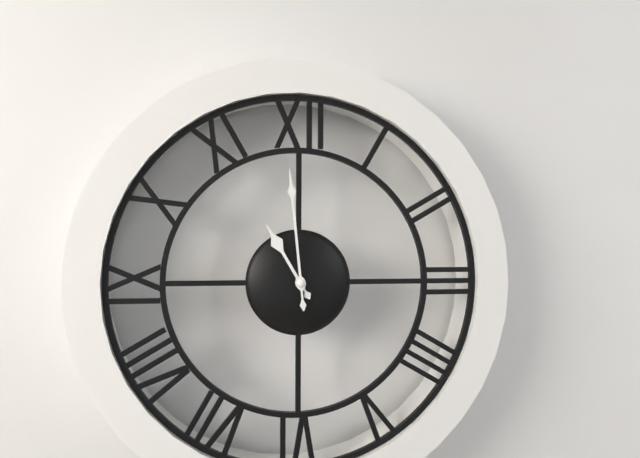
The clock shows 10:59
